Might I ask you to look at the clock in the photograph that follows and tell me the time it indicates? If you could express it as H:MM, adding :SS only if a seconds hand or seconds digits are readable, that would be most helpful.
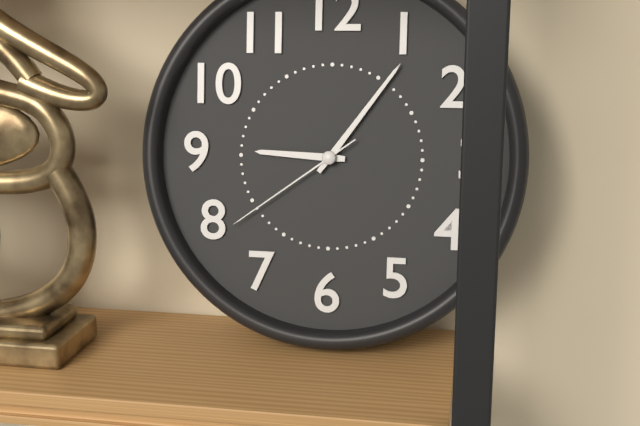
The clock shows 9:06:39
